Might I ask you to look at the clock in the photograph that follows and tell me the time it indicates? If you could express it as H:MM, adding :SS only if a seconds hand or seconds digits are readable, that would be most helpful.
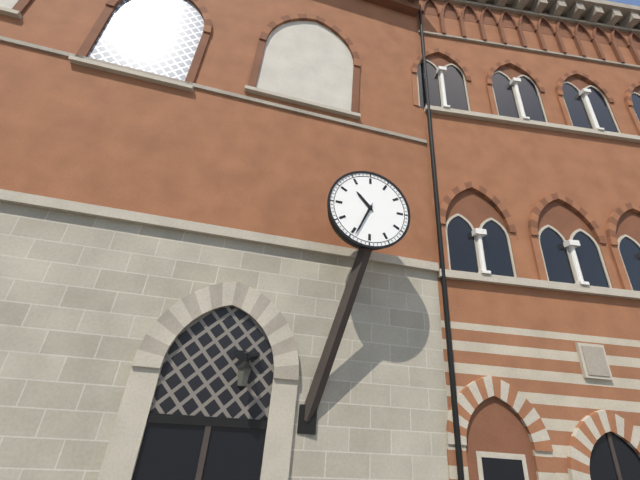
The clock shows 10:34
